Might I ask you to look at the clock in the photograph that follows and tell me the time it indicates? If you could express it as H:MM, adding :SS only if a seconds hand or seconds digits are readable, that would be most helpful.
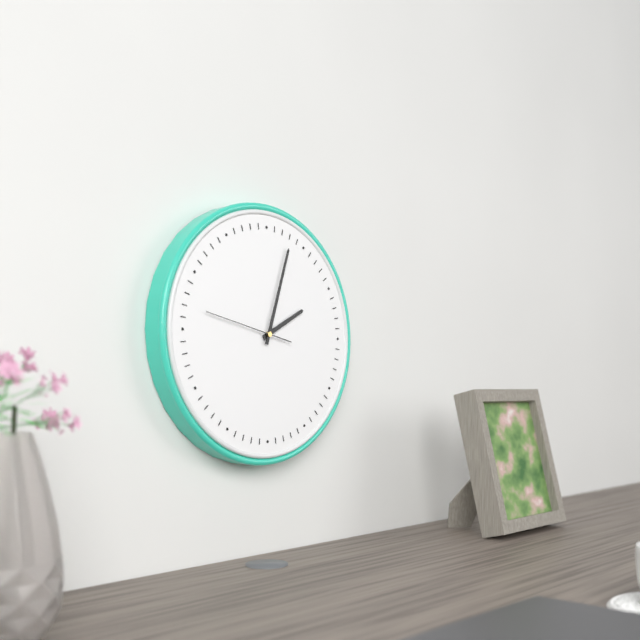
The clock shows 2:03:47
